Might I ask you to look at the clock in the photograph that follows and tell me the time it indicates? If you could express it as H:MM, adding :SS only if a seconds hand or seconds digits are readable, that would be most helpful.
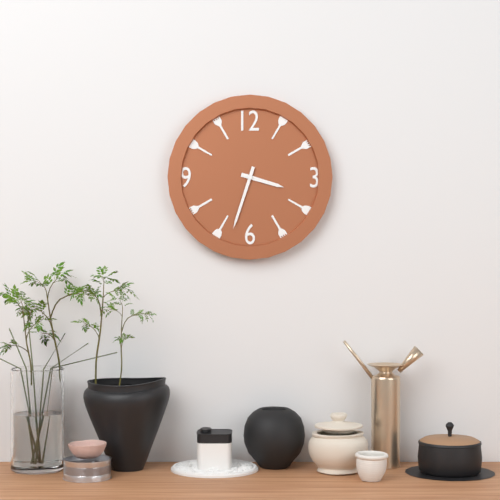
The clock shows 3:33
